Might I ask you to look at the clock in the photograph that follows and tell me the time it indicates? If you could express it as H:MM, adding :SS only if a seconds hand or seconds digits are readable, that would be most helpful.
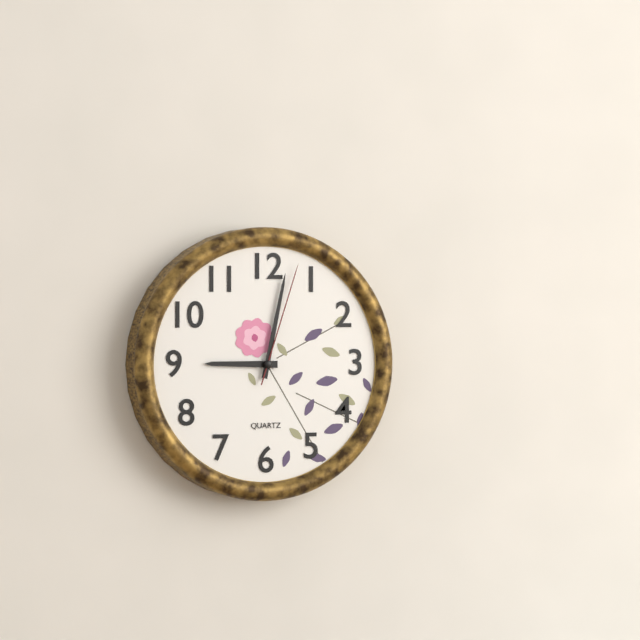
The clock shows 9:02:03
